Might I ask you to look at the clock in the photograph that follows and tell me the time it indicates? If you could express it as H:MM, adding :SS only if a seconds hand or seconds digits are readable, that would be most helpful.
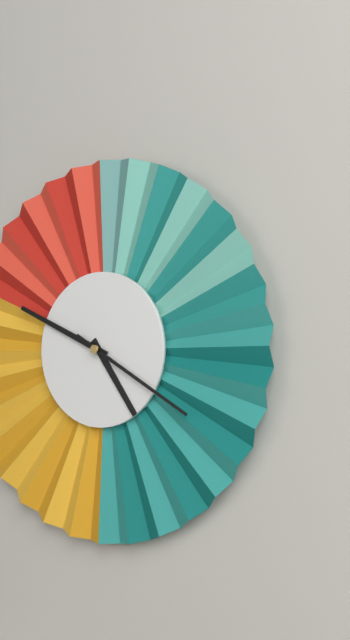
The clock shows 4:49:20
